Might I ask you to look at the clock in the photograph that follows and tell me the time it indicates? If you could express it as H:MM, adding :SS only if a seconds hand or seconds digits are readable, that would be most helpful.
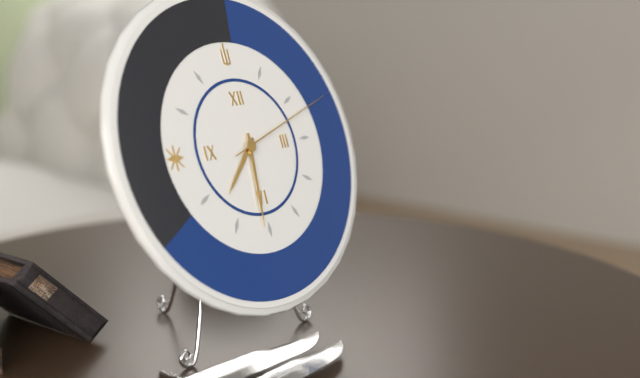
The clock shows 7:31:12
